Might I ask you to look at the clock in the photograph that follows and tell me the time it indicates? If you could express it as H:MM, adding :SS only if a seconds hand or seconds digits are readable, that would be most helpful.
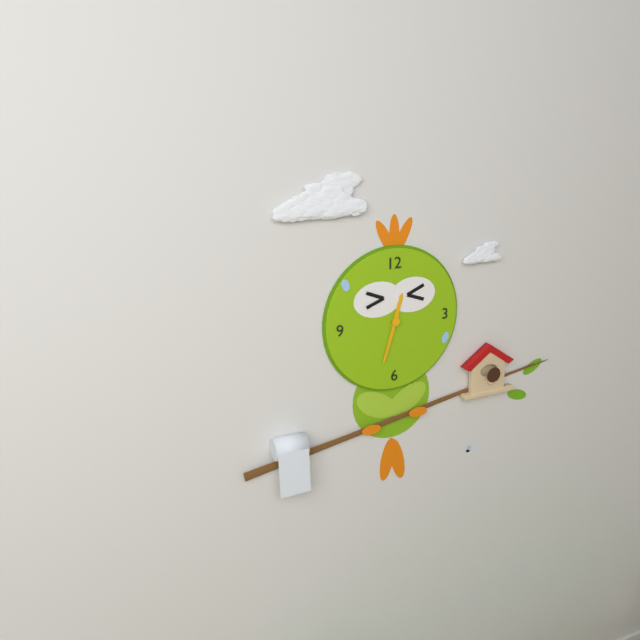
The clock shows 12:33
